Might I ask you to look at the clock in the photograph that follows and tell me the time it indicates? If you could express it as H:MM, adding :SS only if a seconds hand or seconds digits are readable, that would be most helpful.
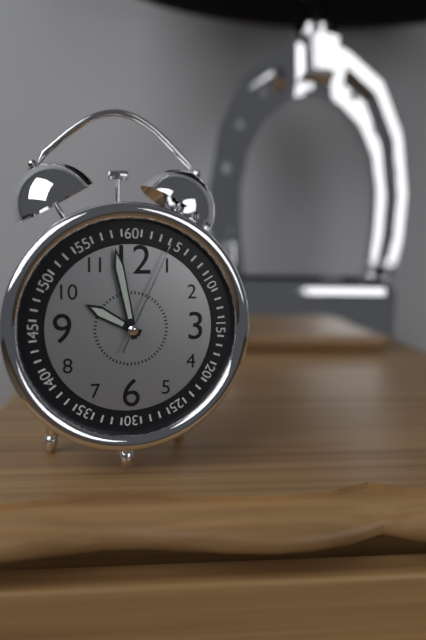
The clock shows 9:58:04
